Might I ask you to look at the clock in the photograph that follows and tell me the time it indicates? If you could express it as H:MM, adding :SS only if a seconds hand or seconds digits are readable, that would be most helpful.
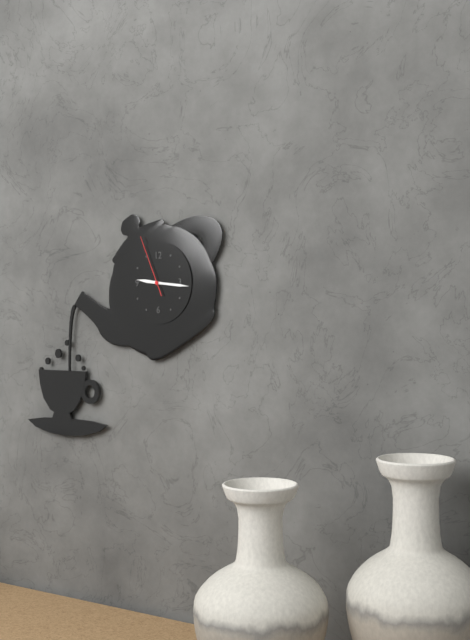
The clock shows 9:16:56
